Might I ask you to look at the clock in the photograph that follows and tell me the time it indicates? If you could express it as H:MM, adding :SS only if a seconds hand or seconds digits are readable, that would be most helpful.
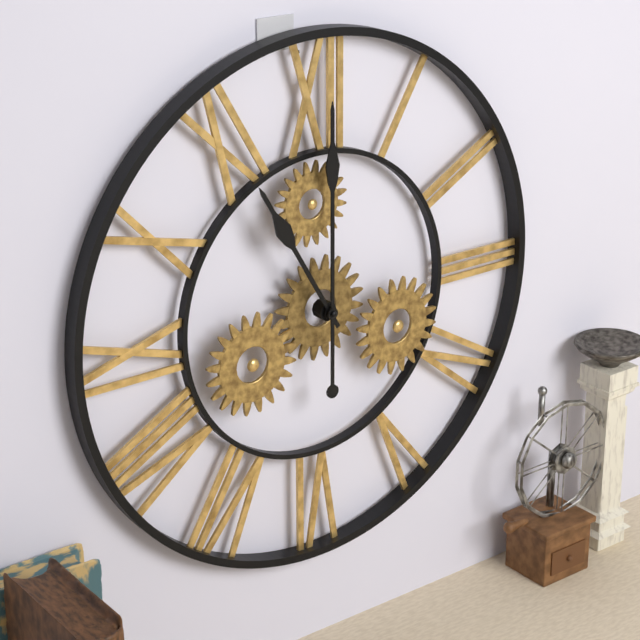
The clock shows 11:00
